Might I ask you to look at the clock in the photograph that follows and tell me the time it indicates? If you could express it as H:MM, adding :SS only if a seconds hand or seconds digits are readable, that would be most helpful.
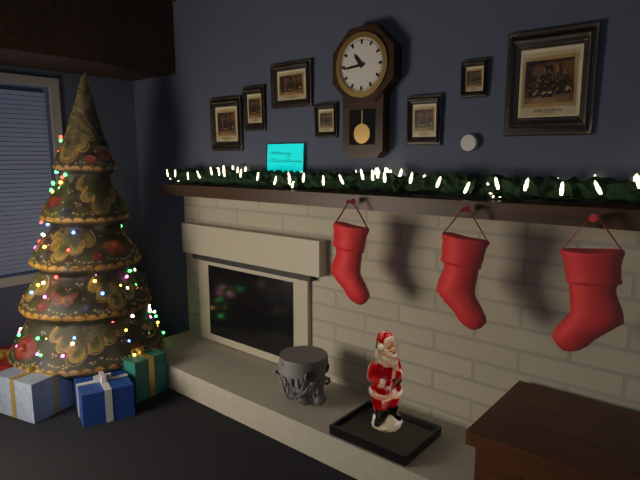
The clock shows 10:44
